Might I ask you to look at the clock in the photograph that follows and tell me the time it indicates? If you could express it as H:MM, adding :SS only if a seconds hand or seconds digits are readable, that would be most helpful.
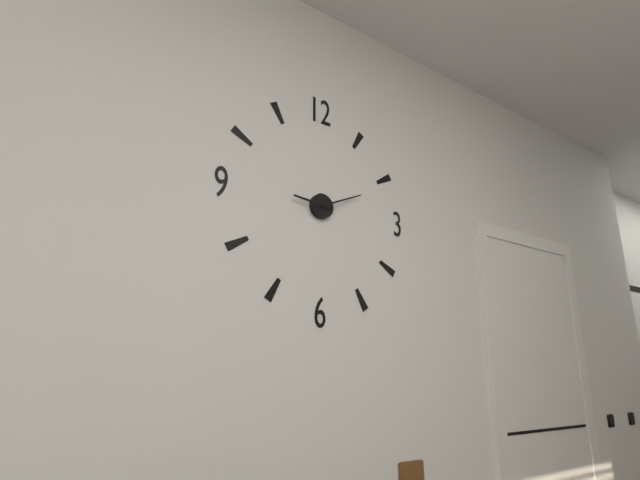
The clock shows 9:11
